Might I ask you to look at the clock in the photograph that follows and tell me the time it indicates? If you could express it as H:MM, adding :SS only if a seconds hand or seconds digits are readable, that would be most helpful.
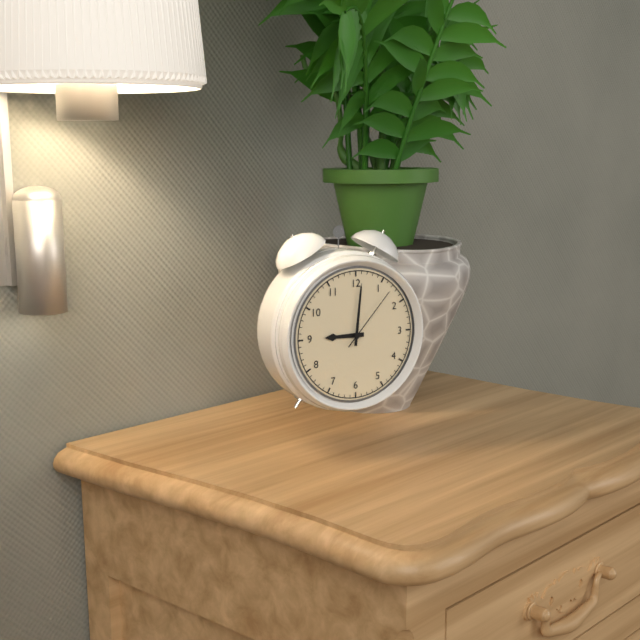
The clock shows 9:01:07
